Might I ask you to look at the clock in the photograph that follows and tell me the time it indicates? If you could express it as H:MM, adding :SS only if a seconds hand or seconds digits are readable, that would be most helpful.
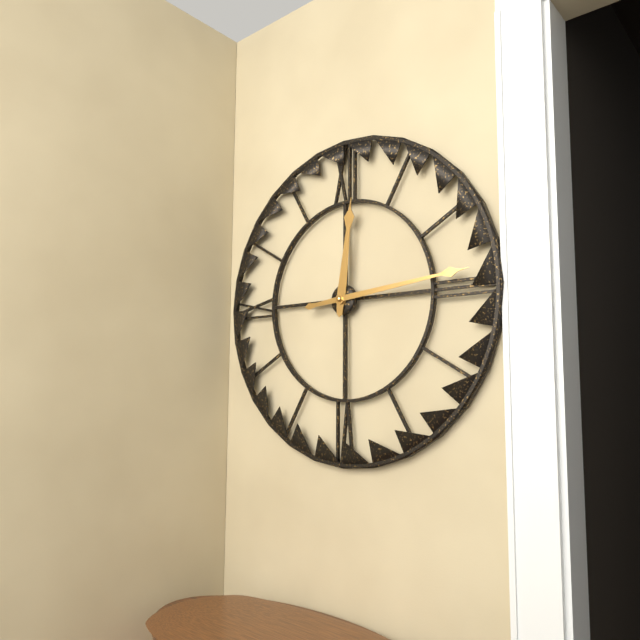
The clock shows 12:14
